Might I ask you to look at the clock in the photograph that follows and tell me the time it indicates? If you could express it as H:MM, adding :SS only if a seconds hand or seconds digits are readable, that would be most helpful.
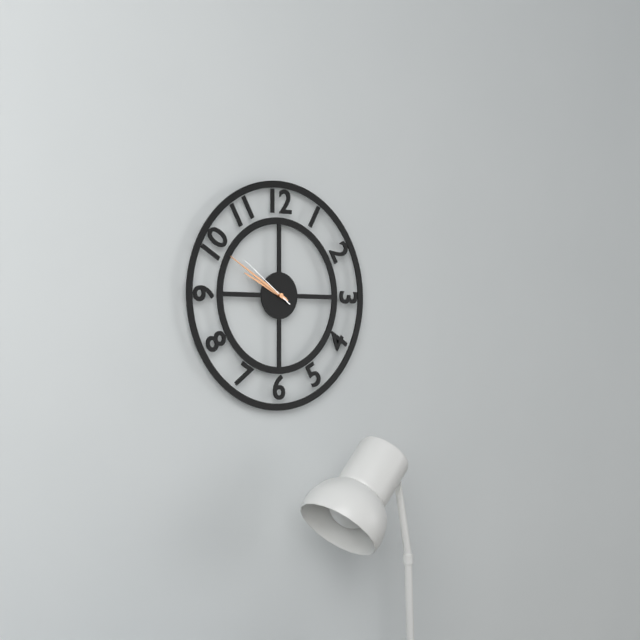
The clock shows 9:50:51
